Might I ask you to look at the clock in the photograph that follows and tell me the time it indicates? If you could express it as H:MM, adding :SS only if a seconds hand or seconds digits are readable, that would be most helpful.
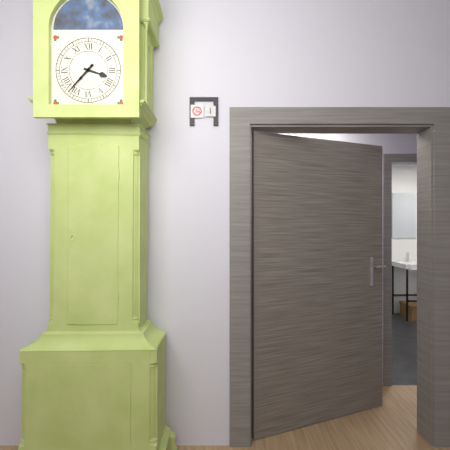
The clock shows 3:37
